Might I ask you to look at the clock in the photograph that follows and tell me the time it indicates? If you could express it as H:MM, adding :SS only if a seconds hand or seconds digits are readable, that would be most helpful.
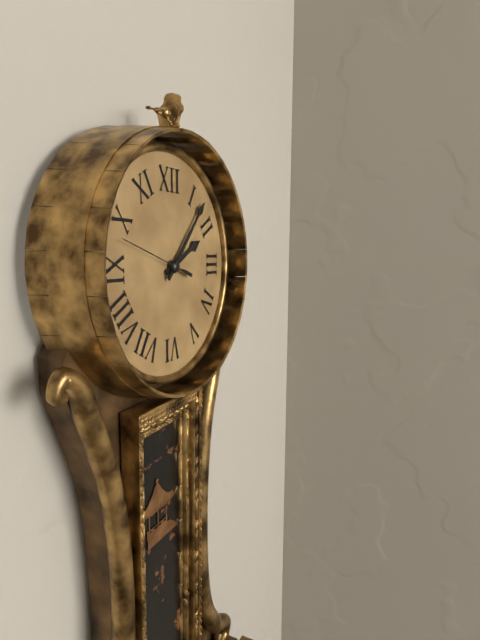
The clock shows 2:07:48
